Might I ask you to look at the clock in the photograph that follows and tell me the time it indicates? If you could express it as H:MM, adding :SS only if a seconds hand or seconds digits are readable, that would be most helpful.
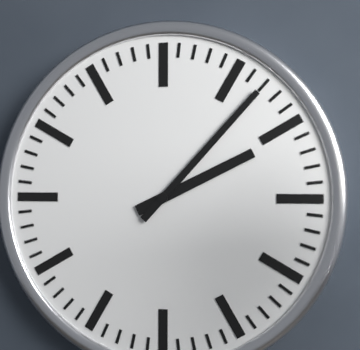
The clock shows 2:07
